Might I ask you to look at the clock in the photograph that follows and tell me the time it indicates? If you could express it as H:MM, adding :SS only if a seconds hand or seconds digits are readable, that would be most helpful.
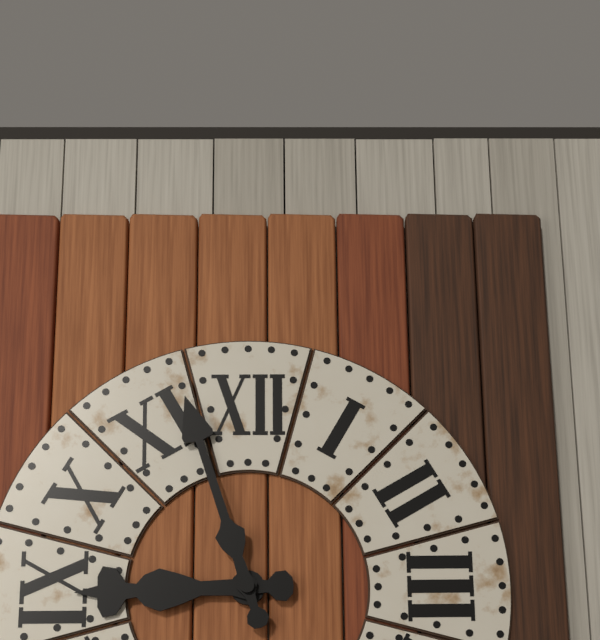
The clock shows 8:57
